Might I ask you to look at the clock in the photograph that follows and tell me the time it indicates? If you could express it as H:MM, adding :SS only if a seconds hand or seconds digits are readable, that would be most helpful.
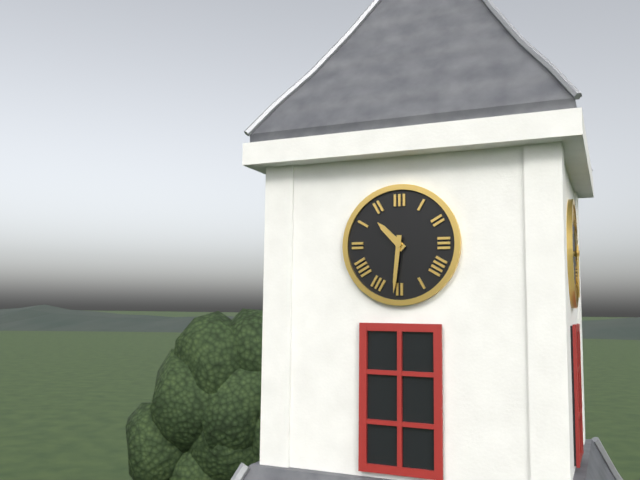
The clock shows 10:31
